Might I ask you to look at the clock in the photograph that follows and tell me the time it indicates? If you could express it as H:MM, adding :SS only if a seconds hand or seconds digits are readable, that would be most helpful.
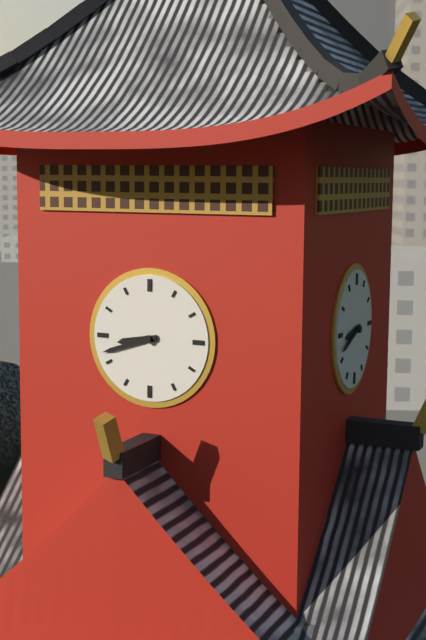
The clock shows 8:42
